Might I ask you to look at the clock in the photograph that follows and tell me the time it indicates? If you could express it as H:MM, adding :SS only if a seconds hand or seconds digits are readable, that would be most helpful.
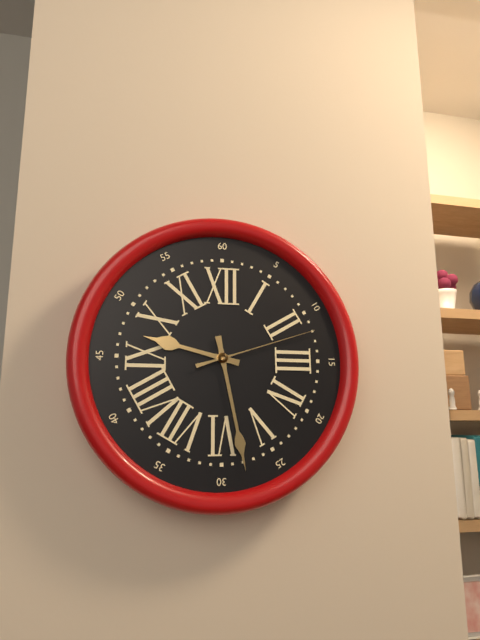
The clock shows 9:28:12
